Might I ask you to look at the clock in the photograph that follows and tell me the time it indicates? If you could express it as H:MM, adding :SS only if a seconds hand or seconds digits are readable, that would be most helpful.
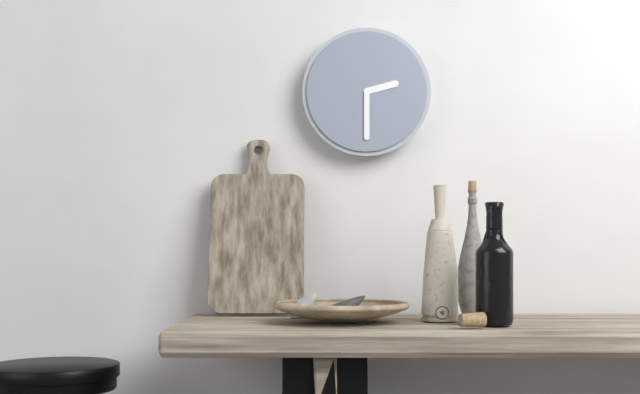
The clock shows 2:30
